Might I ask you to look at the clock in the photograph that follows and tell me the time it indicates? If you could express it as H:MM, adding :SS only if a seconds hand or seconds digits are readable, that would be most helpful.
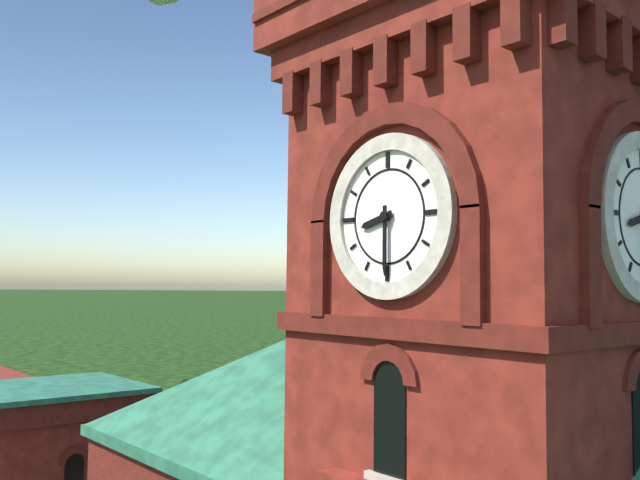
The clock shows 8:30
